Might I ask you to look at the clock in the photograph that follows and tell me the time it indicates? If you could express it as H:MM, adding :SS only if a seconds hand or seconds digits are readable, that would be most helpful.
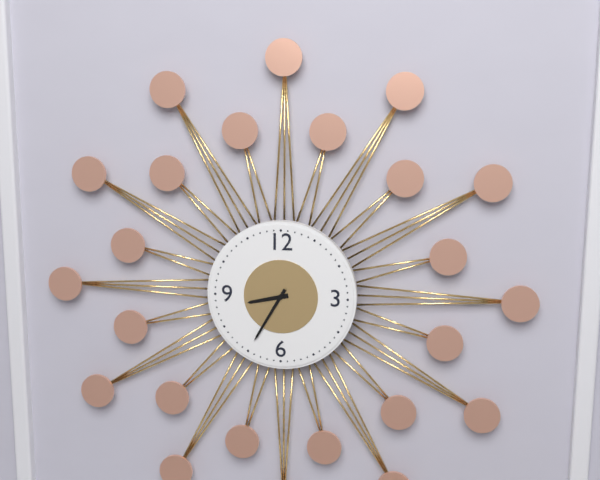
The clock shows 8:35
